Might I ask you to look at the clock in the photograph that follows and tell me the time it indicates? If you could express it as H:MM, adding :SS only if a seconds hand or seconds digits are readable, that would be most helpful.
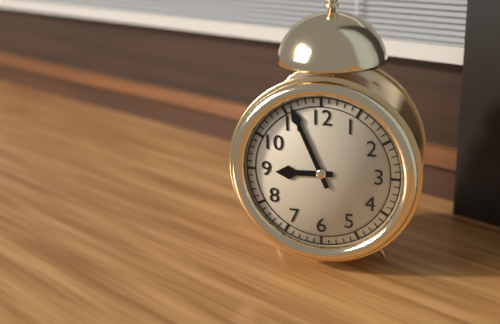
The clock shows 8:56
